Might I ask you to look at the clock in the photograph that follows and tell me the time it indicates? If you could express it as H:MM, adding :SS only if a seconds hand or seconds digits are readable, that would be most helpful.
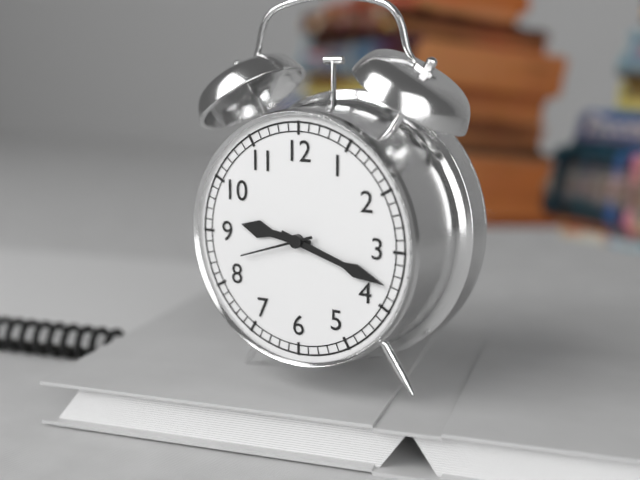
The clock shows 9:18:42
